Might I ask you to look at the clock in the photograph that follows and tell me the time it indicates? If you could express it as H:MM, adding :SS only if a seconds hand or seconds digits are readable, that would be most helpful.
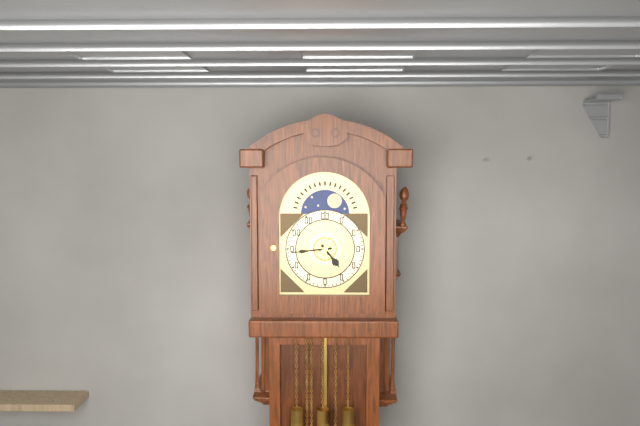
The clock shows 4:44
